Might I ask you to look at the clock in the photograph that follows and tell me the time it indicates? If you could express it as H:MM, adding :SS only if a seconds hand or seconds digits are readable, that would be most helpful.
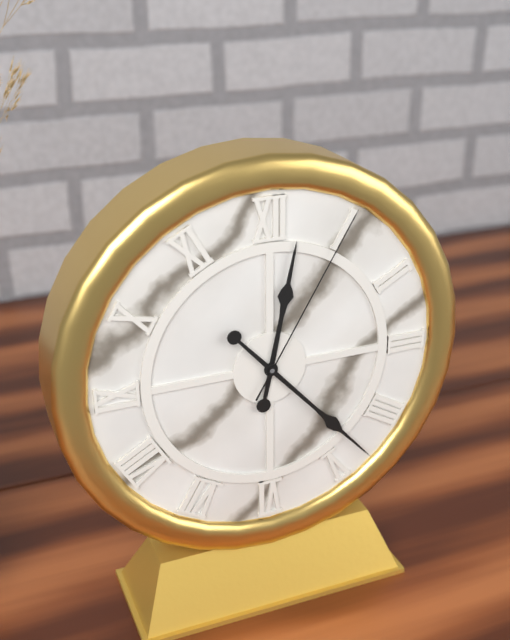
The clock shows 12:23:05
